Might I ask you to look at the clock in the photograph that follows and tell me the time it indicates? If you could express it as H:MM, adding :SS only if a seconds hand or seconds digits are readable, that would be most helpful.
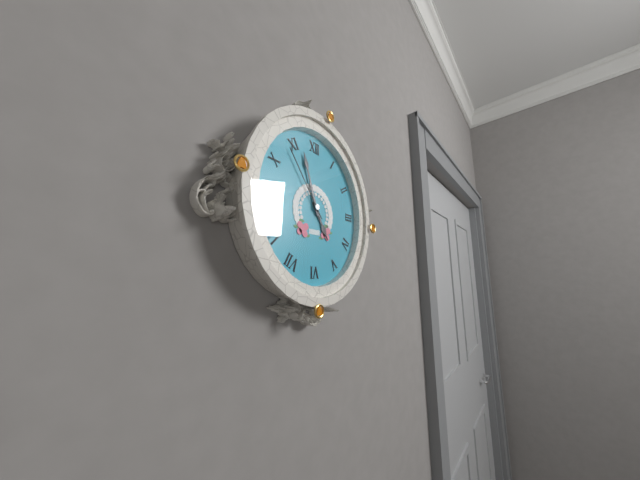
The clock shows 4:57:54
